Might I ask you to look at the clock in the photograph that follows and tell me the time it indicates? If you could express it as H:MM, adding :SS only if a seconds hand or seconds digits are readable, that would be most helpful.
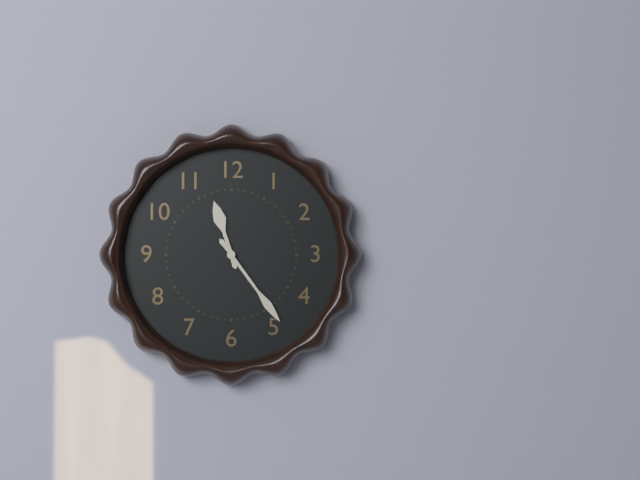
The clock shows 11:24
